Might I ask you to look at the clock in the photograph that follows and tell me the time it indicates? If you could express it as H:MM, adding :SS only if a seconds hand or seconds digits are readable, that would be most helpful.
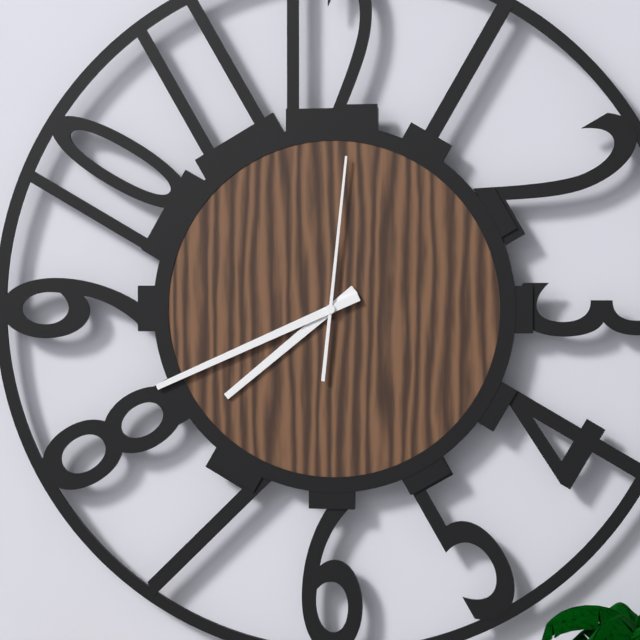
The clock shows 7:41:01
